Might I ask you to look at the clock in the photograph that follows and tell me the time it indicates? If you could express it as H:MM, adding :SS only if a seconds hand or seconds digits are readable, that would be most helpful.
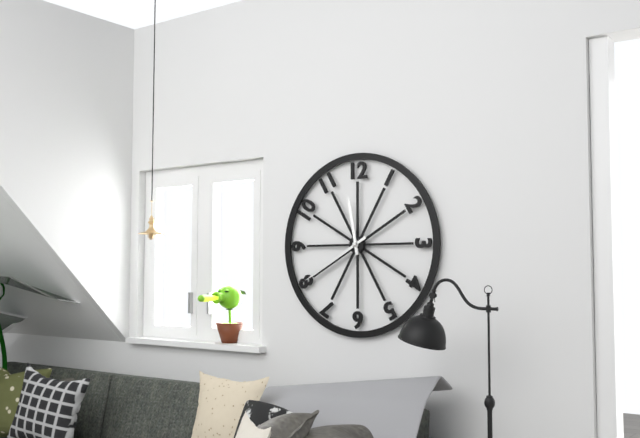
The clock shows 11:40
